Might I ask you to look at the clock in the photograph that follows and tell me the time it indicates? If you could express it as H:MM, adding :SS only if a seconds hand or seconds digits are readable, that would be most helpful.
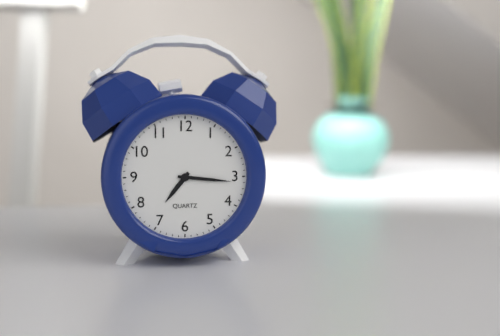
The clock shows 7:16
